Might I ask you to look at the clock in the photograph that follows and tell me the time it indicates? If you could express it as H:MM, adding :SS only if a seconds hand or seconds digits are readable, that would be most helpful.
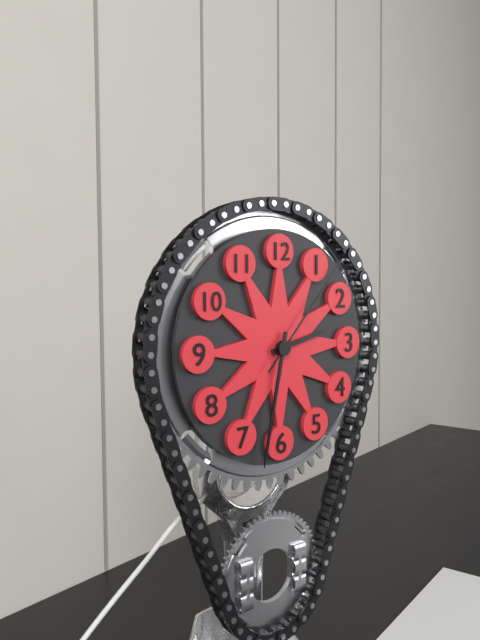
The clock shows 2:32:07
